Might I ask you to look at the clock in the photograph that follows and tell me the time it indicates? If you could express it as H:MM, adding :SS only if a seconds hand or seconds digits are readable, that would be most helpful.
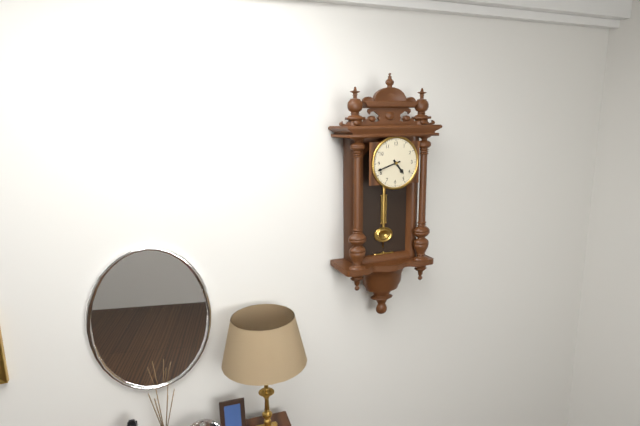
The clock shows 4:42
